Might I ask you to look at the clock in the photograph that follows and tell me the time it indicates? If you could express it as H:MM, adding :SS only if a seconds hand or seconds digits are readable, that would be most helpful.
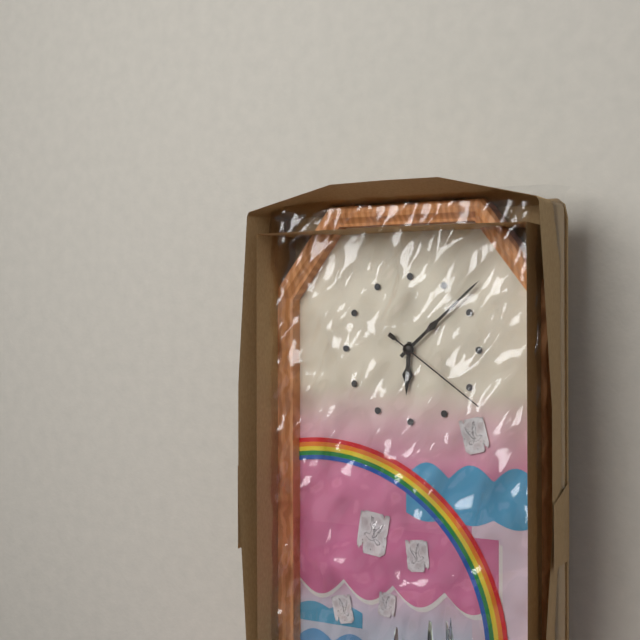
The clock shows 6:08:21
